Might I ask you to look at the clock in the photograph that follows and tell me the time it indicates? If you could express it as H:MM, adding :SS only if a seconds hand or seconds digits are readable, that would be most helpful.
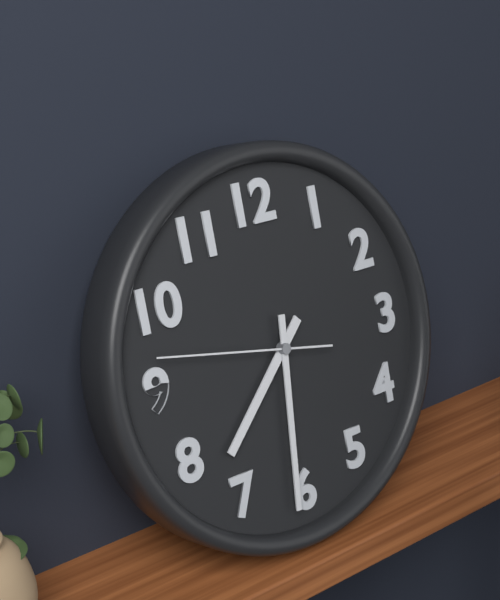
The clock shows 7:31:47
